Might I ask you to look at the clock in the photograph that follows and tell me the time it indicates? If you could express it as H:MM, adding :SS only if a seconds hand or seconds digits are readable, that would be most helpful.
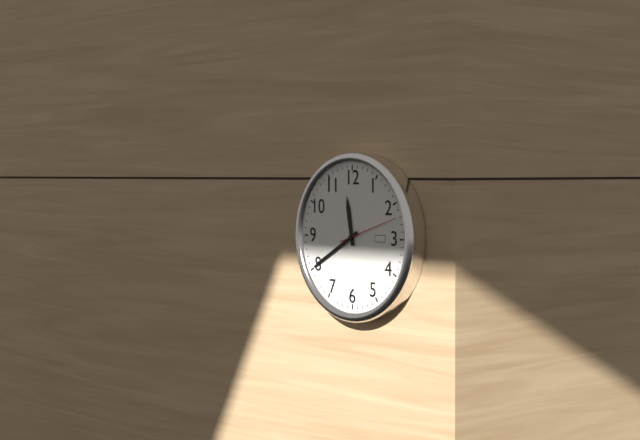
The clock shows 11:40
